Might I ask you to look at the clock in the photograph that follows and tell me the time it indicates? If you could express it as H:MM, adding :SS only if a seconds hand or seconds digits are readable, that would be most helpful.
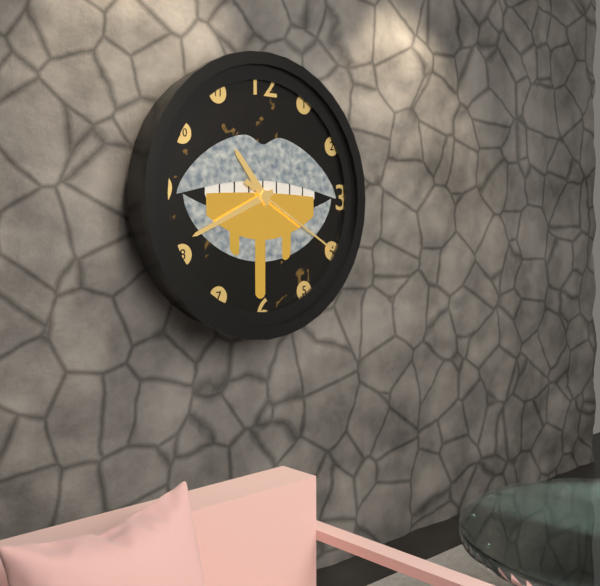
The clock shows 10:41:20
